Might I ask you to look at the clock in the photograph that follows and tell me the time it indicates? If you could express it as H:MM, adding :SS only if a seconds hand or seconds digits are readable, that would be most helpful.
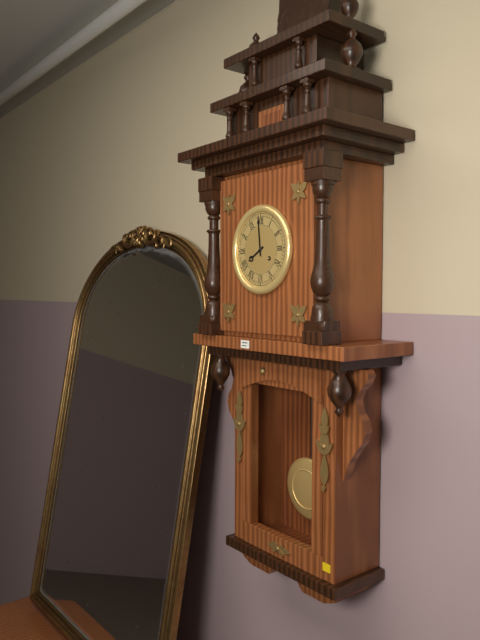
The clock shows 7:59
